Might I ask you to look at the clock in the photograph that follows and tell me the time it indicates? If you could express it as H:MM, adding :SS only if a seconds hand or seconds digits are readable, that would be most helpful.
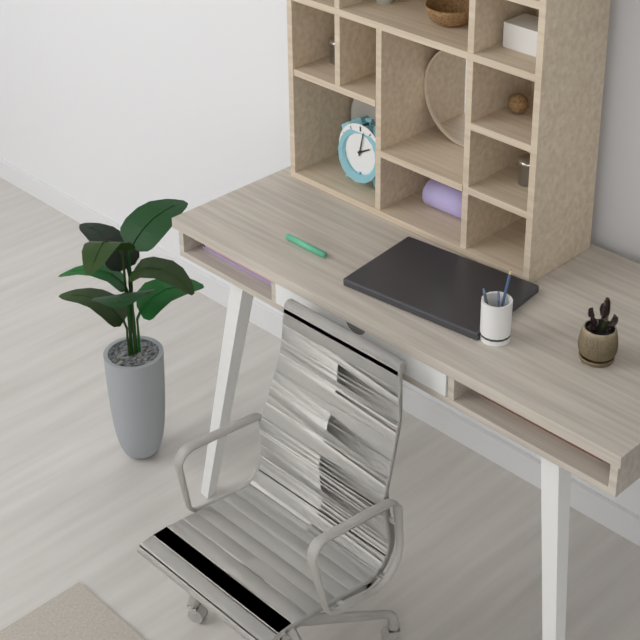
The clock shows 2:02
